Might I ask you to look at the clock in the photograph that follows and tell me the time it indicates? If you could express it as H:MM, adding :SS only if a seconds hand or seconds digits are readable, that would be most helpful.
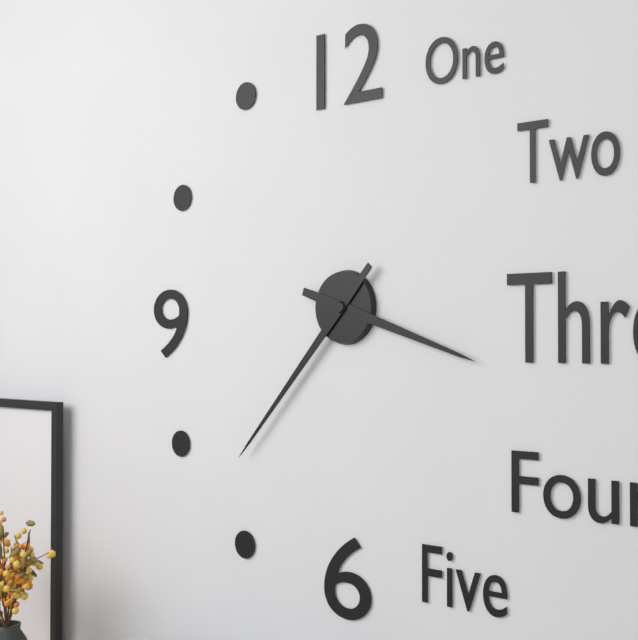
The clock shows 3:37
